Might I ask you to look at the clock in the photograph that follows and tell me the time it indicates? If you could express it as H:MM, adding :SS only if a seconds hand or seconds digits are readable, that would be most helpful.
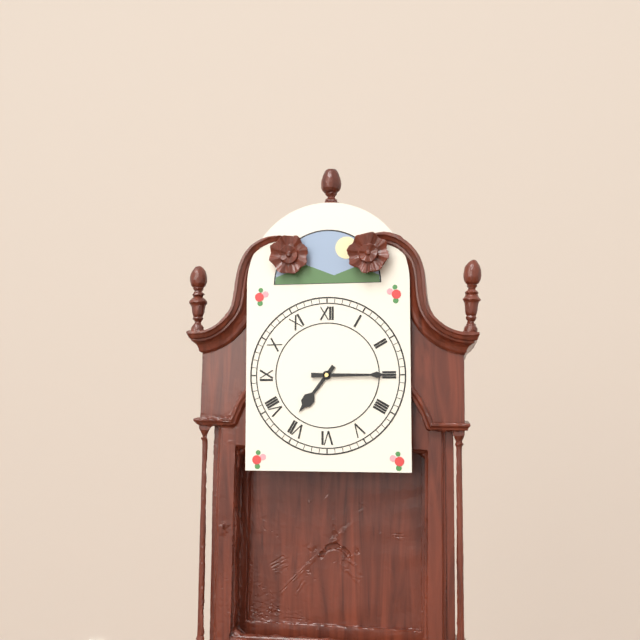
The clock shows 7:15
